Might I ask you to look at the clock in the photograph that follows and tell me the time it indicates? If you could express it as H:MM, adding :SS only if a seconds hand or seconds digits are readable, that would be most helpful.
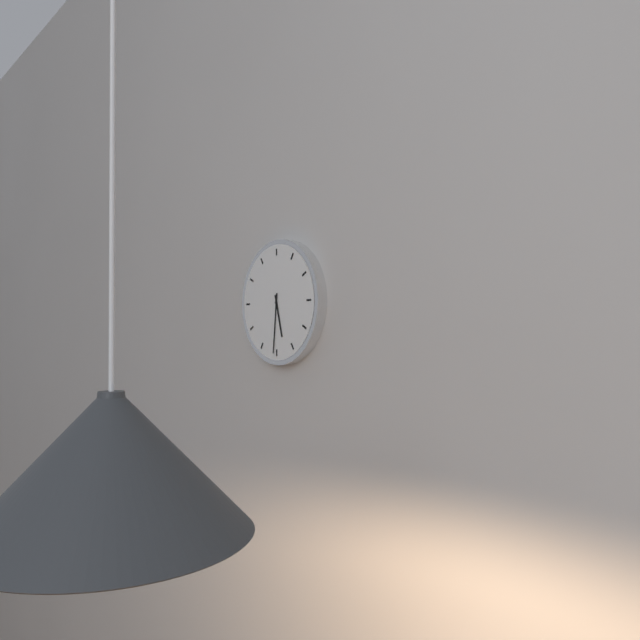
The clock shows 5:31
